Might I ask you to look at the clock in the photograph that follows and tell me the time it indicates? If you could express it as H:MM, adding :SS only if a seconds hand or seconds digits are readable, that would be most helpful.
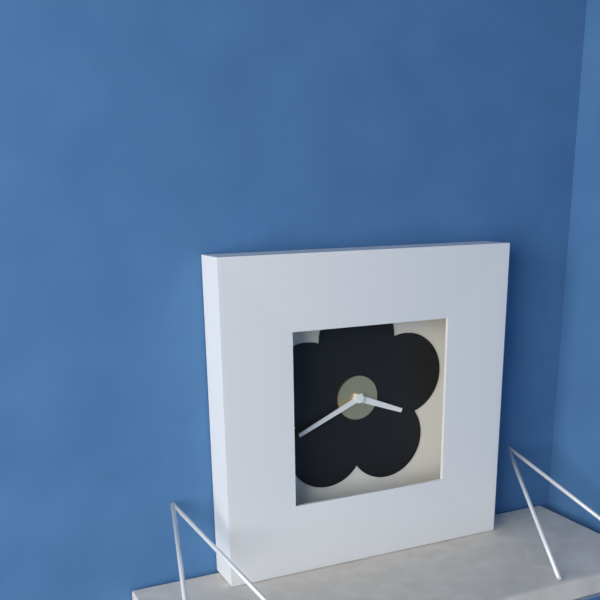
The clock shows 3:41
